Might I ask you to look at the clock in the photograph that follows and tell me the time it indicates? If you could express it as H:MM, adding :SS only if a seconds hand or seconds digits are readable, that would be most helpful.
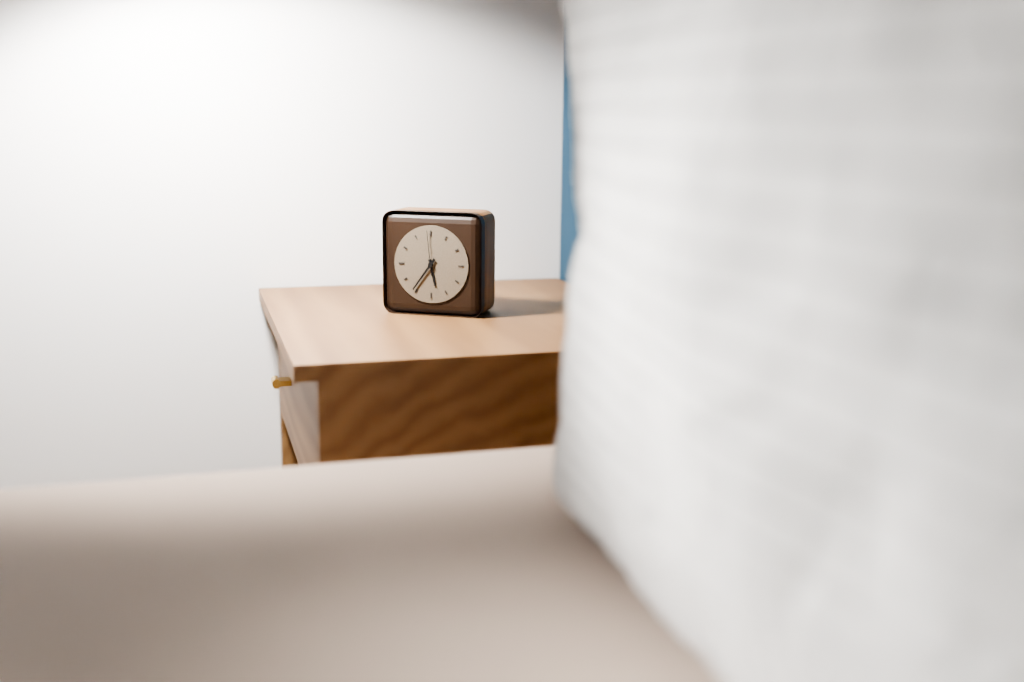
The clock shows 5:36
